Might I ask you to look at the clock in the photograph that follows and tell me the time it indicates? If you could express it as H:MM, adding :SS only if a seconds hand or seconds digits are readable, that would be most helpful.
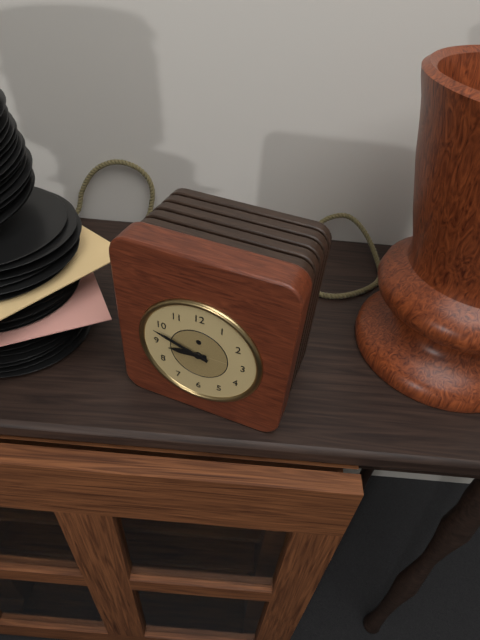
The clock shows 8:48
